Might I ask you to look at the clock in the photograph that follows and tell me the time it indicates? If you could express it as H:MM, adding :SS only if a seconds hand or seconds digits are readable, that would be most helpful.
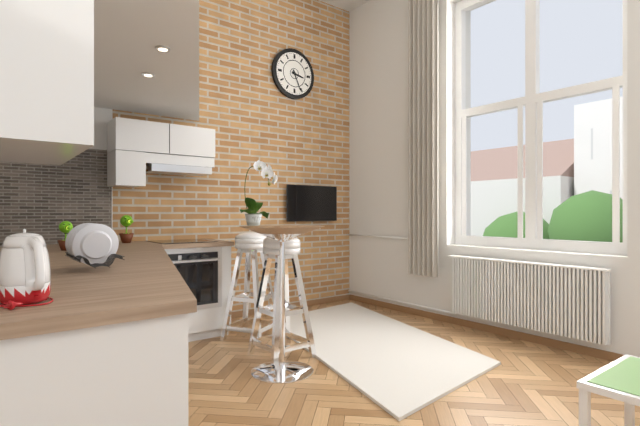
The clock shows 3:26
